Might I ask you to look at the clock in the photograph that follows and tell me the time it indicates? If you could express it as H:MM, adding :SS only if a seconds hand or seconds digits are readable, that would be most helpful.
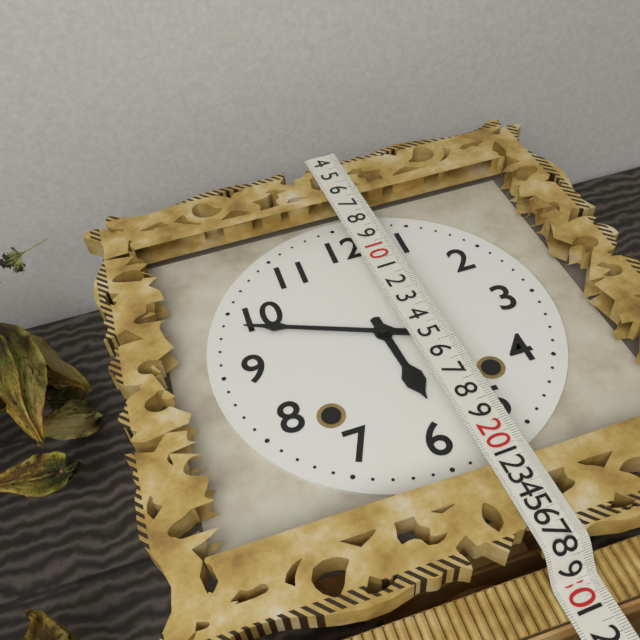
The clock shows 5:49
